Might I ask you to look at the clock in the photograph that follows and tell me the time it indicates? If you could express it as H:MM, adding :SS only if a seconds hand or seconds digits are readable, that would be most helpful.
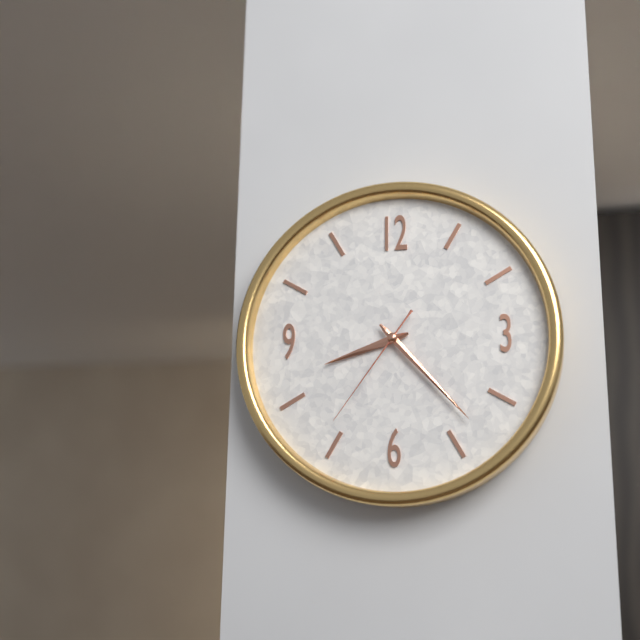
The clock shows 8:23:36
